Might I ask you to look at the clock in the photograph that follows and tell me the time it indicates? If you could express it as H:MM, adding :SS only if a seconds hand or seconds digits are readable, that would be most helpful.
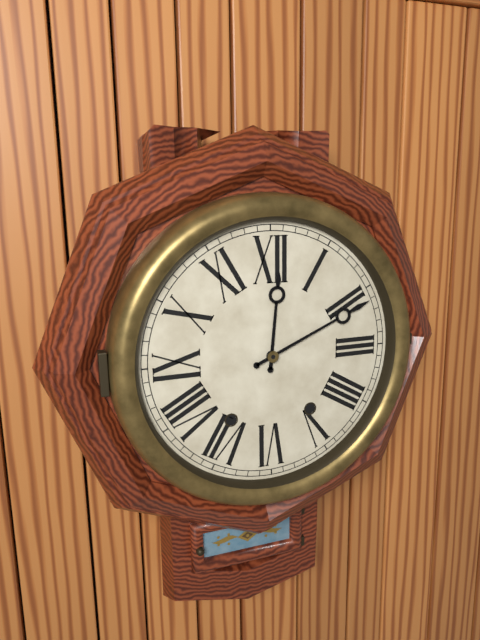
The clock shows 12:11
